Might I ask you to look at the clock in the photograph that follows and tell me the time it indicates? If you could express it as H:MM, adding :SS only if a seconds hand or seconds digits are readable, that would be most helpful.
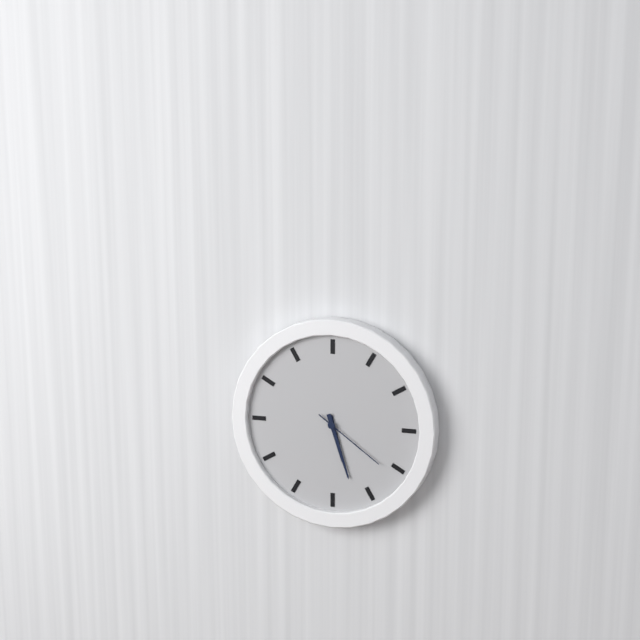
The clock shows 5:27:21
